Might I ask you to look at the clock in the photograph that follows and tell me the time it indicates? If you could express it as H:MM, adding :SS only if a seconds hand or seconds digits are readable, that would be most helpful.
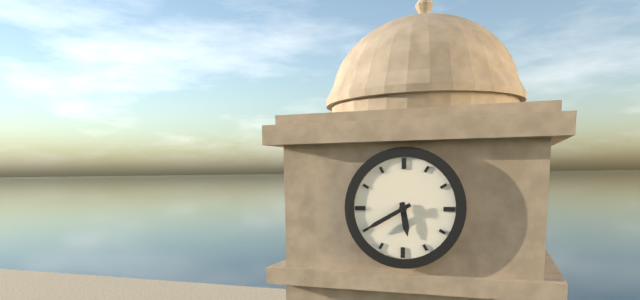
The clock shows 5:40
